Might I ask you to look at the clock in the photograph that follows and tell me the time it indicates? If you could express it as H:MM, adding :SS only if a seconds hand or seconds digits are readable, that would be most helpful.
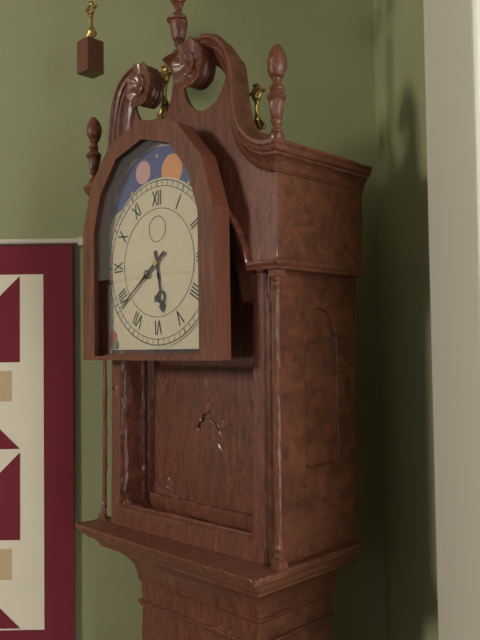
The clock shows 5:39
